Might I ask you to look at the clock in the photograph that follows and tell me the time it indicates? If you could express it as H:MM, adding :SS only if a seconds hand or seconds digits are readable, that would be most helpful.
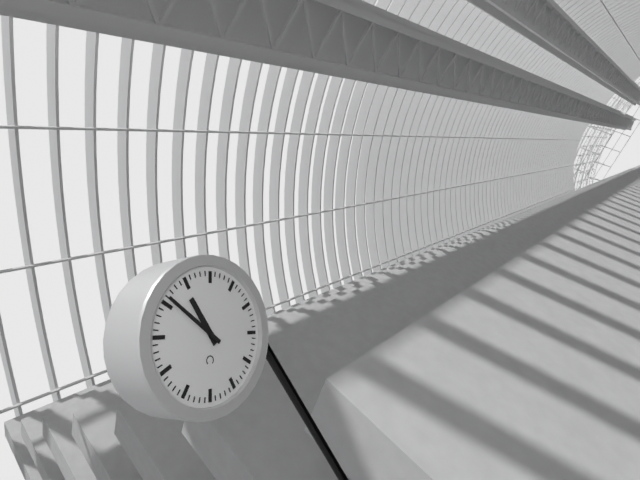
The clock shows 10:51
